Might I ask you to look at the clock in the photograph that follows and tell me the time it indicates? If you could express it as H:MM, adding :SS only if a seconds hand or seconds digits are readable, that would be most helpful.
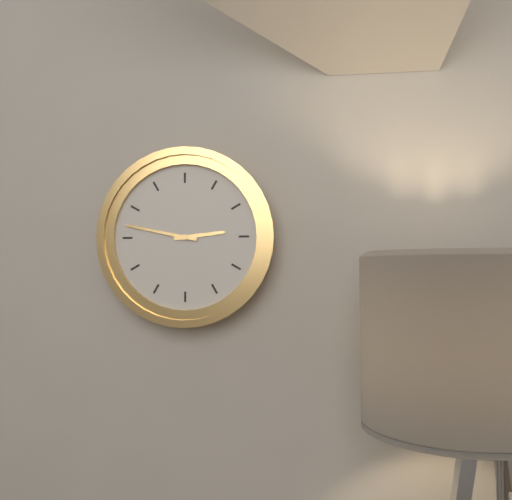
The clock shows 2:47
